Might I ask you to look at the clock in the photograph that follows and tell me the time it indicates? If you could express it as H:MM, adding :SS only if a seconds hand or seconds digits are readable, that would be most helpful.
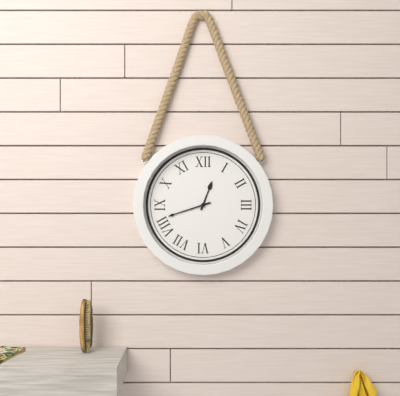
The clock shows 12:42
